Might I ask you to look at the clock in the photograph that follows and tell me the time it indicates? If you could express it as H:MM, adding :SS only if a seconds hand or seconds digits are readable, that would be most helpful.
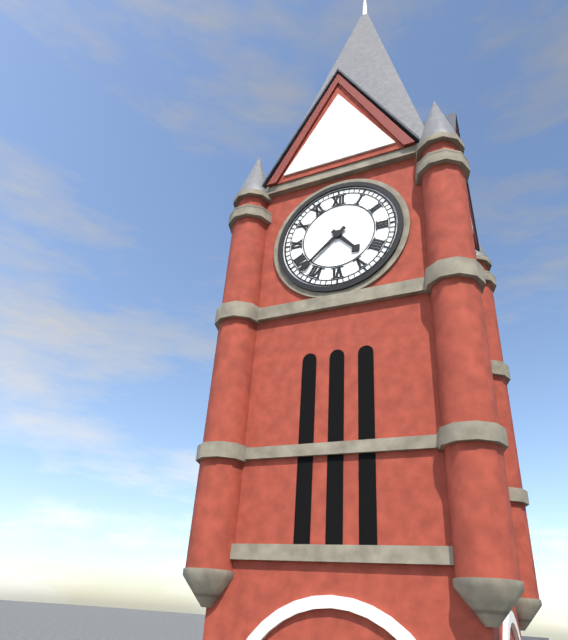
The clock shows 4:38
